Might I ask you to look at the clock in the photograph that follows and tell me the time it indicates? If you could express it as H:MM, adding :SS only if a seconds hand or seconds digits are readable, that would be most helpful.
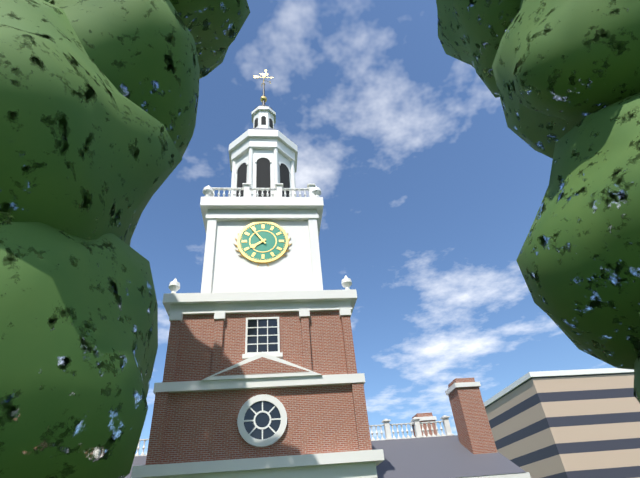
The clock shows 7:54
